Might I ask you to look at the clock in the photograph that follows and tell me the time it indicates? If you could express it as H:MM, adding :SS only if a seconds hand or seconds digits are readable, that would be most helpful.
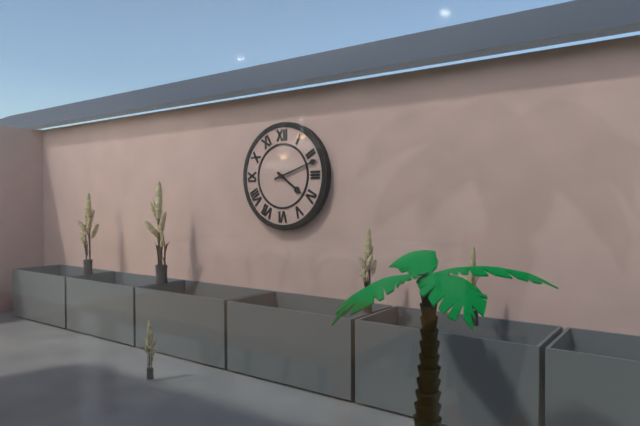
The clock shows 4:12
